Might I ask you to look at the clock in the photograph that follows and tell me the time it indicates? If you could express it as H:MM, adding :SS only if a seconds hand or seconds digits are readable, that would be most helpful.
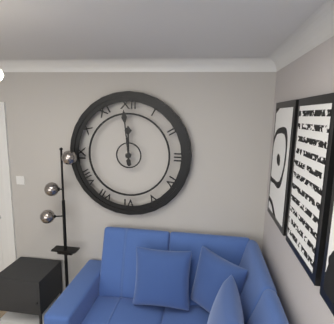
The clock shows 11:59
